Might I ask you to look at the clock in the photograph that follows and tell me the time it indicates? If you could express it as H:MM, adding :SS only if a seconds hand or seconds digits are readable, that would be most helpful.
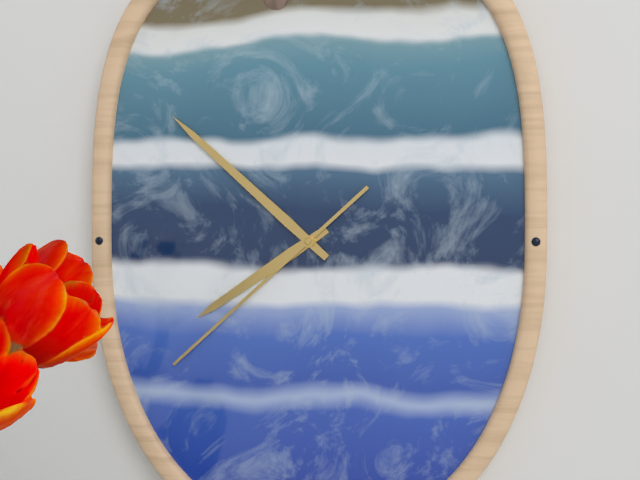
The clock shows 7:52:38
